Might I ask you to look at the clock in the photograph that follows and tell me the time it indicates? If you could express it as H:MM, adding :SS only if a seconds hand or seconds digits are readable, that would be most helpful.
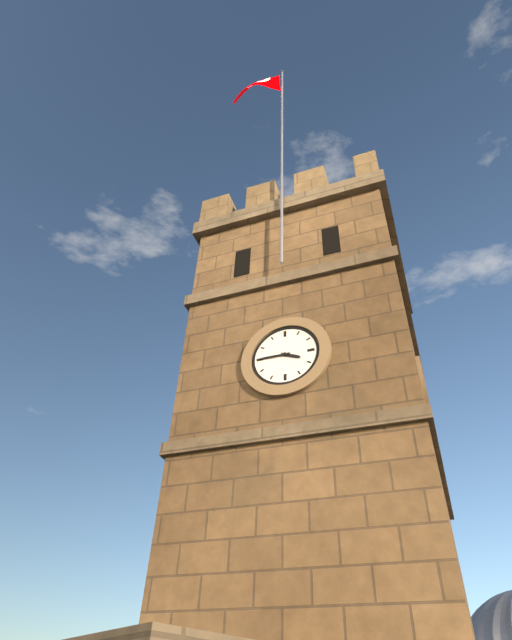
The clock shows 3:45
